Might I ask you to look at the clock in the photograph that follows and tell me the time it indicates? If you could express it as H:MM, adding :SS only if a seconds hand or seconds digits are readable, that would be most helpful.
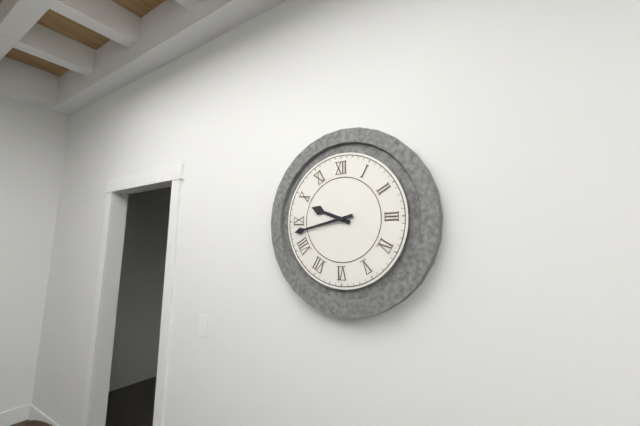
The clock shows 9:43
